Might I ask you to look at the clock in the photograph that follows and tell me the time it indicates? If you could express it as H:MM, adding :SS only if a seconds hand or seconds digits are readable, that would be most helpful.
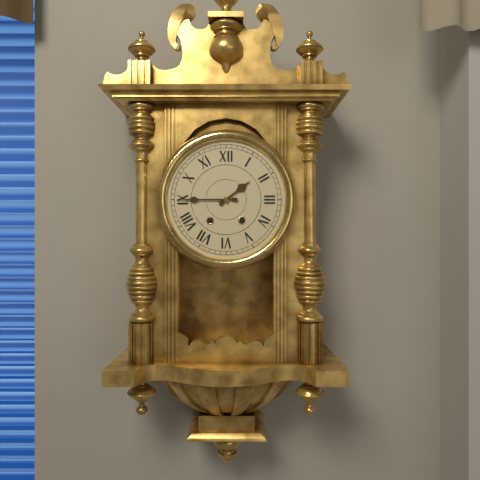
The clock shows 1:45
